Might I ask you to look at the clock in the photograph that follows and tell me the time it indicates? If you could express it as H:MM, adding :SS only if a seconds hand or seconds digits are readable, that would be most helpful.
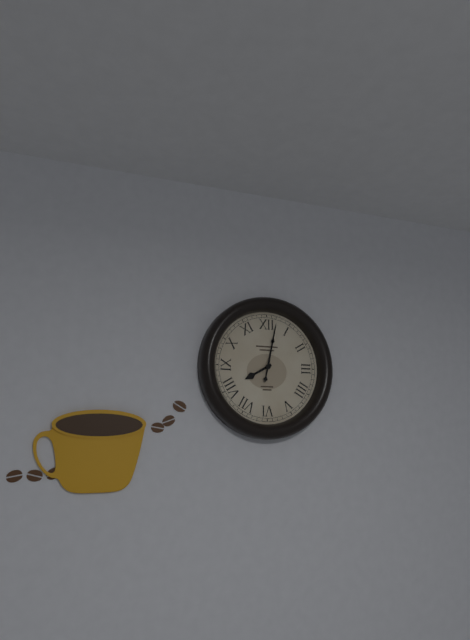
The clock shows 8:02
